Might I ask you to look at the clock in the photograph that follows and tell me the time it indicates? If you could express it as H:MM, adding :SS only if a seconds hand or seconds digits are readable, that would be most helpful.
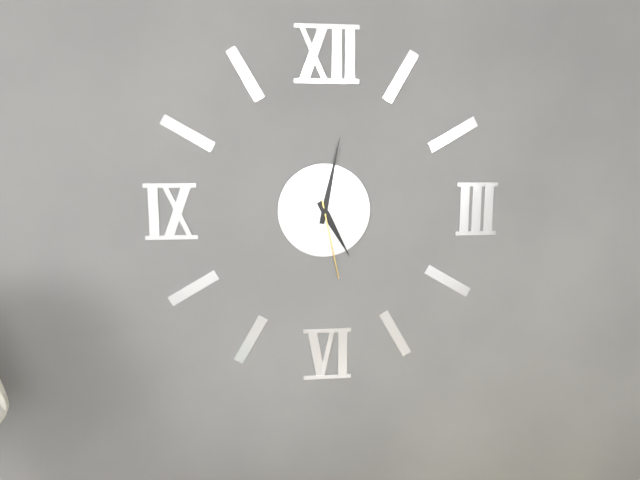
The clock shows 5:02:28
